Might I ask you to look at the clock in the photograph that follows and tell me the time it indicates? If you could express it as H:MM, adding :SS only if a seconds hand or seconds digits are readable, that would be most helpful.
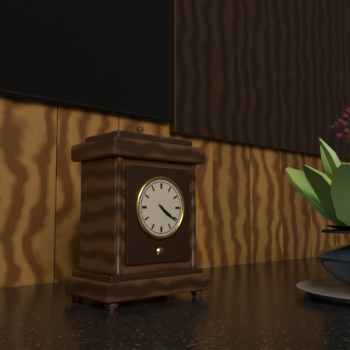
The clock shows 4:21
